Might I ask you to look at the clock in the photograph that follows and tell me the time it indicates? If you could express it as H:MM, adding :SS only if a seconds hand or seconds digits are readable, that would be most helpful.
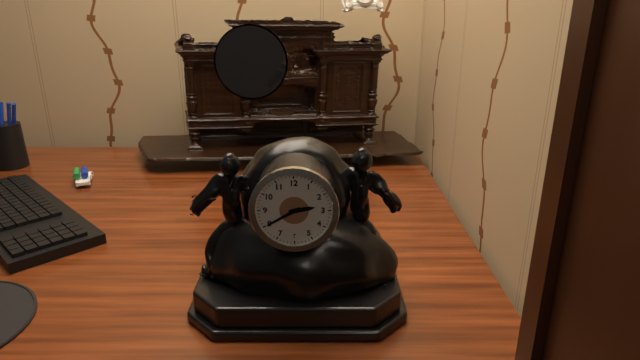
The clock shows 2:40
